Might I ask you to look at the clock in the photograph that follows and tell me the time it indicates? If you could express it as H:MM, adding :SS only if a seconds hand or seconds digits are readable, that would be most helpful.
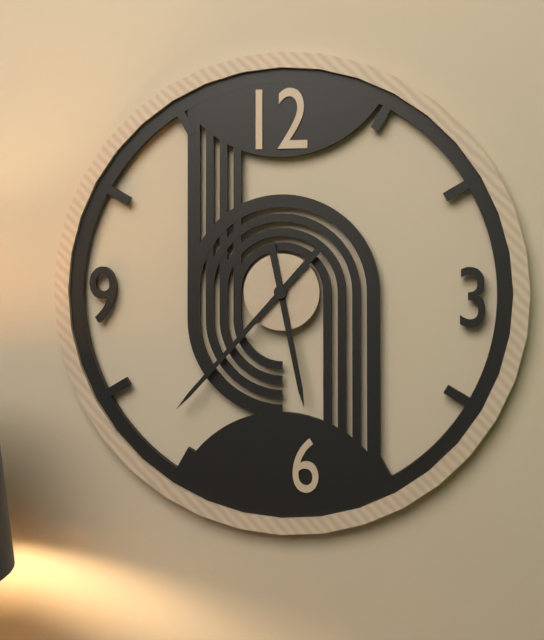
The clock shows 5:37
